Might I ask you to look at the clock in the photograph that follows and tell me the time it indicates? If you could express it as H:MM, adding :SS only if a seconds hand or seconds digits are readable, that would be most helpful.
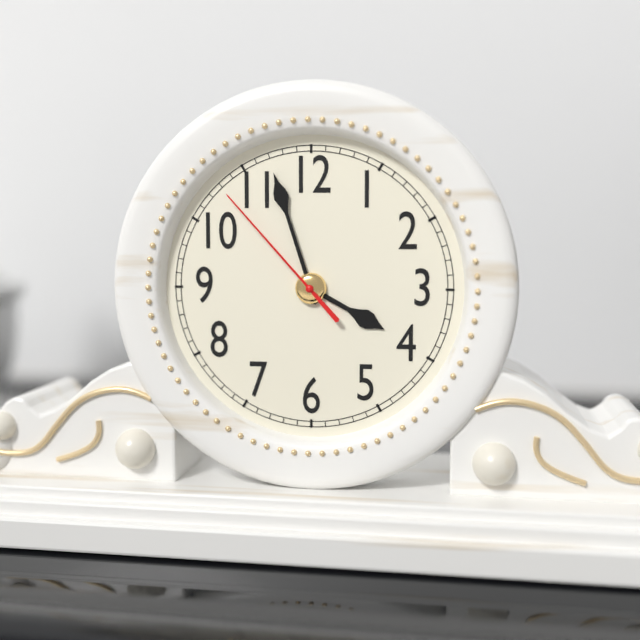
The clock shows 3:57:53
